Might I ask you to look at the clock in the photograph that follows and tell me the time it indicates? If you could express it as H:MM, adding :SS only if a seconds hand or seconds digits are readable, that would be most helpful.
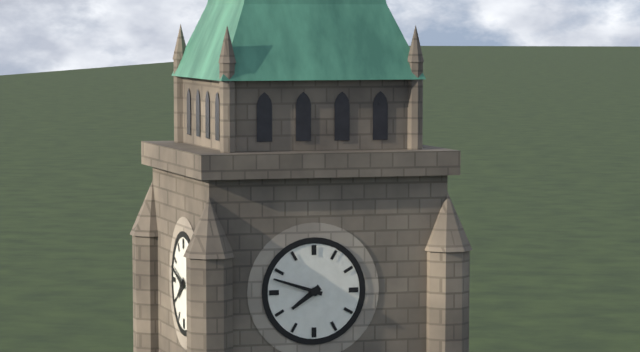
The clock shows 7:48
